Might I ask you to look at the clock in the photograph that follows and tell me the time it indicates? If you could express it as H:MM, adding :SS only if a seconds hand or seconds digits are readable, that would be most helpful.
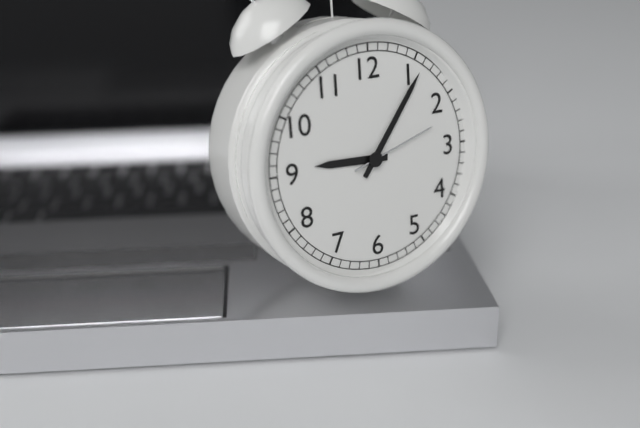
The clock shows 9:06:12
